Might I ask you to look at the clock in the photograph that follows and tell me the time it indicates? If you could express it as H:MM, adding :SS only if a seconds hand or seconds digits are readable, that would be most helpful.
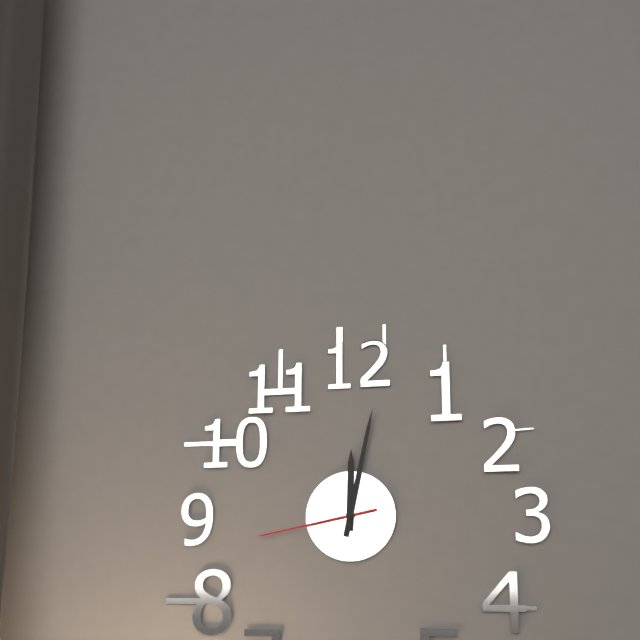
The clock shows 12:02:43
